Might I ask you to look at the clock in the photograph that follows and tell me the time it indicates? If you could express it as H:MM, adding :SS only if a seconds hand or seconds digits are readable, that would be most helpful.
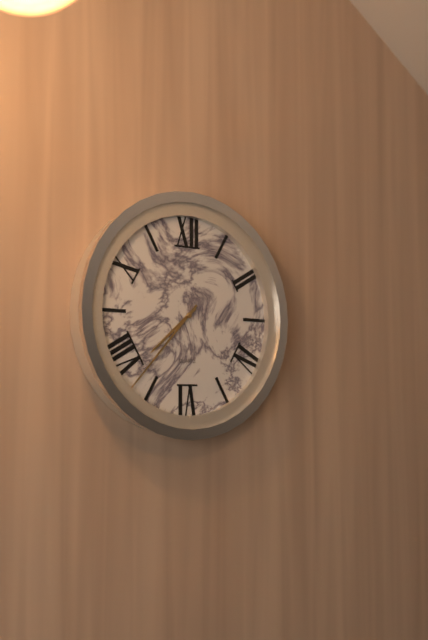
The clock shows 7:37
